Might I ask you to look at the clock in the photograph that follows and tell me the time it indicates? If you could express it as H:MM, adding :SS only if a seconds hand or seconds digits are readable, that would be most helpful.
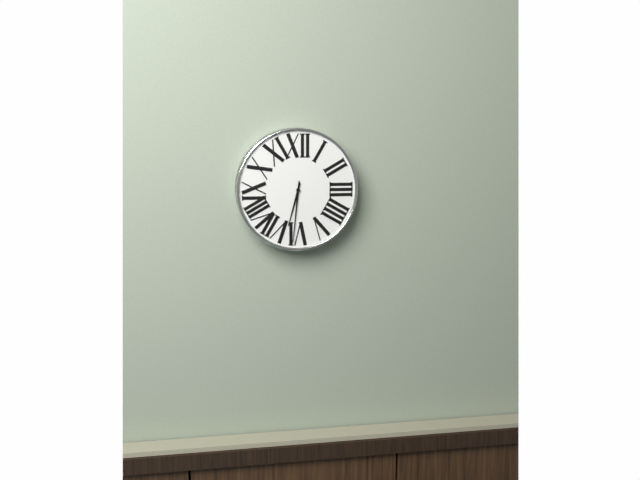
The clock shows 6:31
